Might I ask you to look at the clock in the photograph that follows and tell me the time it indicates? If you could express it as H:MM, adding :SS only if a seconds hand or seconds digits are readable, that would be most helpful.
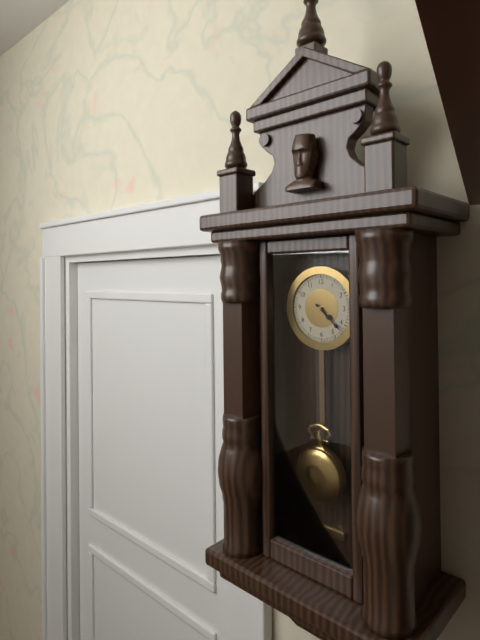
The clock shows 4:22
